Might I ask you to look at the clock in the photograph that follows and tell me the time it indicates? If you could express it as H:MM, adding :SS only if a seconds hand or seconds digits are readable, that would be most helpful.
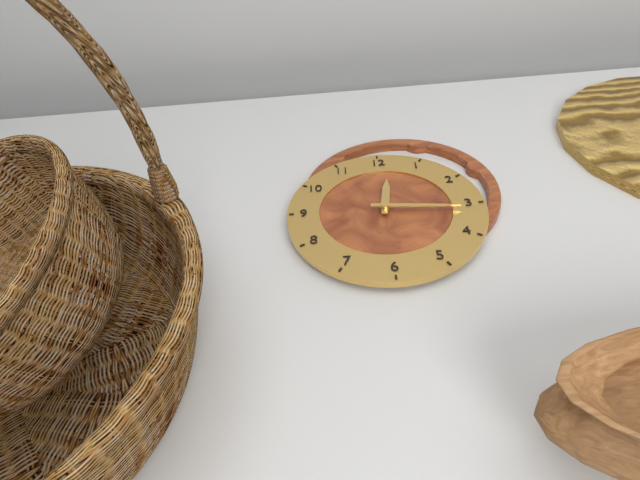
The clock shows 12:16
